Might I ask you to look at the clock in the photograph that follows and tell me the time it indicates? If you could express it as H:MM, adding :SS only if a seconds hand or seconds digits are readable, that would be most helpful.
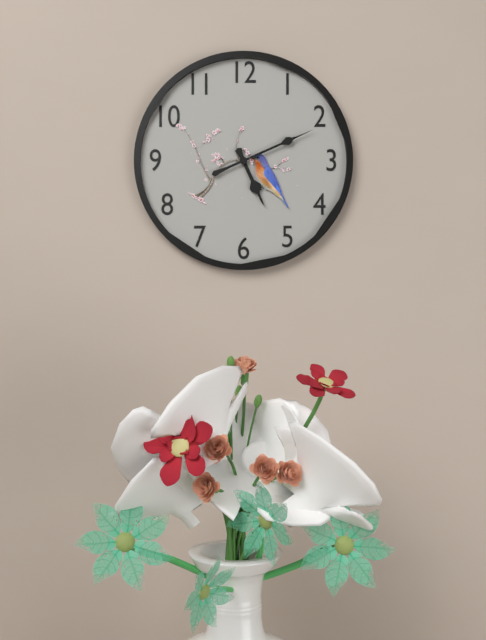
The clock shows 5:11
